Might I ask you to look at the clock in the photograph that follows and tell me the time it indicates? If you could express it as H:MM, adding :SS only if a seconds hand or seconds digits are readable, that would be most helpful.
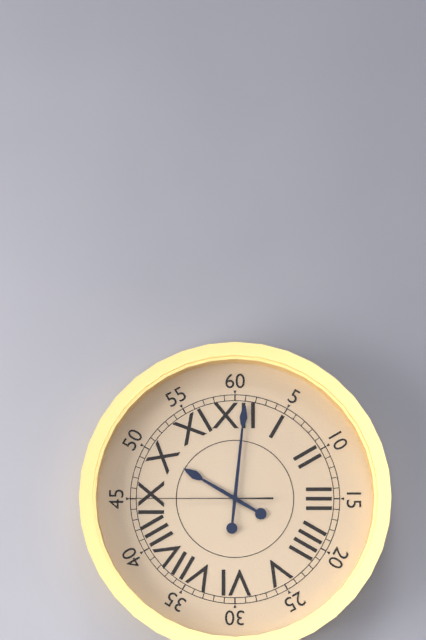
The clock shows 10:01:45
